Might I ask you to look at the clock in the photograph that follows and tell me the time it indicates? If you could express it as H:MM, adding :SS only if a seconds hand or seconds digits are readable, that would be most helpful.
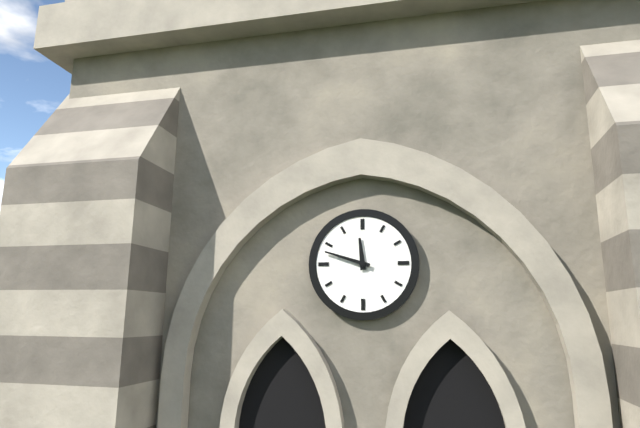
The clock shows 11:48
